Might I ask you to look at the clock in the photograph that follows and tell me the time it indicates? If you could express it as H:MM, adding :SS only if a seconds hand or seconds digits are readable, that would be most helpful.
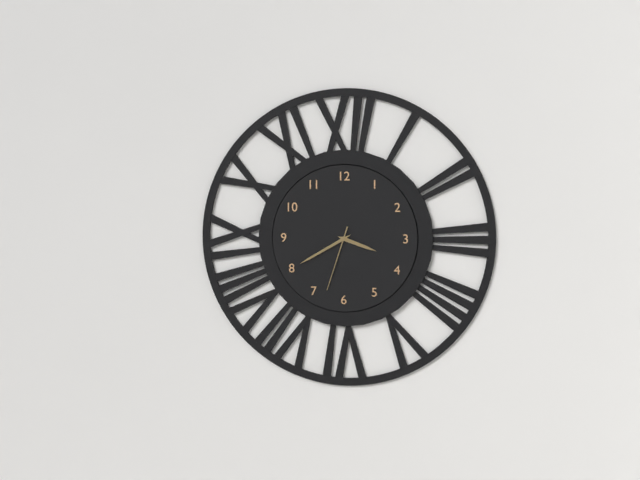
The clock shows 3:40:33
